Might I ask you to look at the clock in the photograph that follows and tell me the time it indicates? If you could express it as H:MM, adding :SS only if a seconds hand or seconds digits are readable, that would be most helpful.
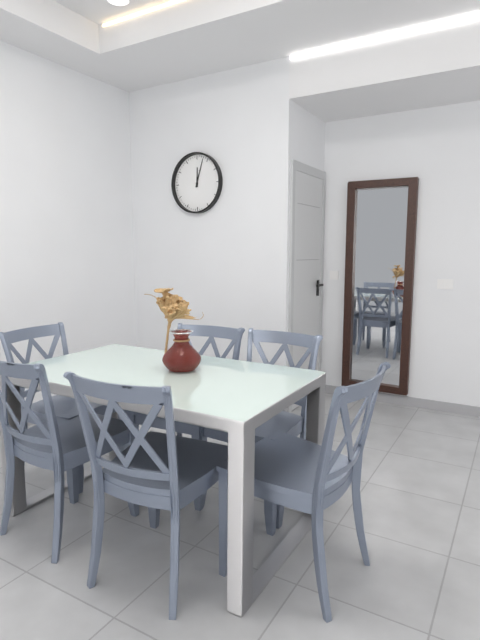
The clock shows 12:03
